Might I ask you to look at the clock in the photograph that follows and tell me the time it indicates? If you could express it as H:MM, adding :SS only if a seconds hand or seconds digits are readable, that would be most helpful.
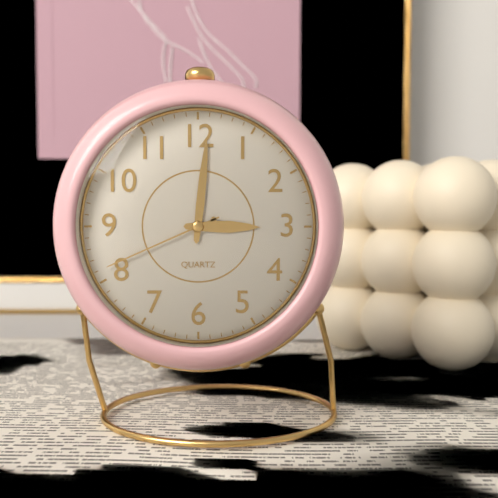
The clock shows 3:01:41
